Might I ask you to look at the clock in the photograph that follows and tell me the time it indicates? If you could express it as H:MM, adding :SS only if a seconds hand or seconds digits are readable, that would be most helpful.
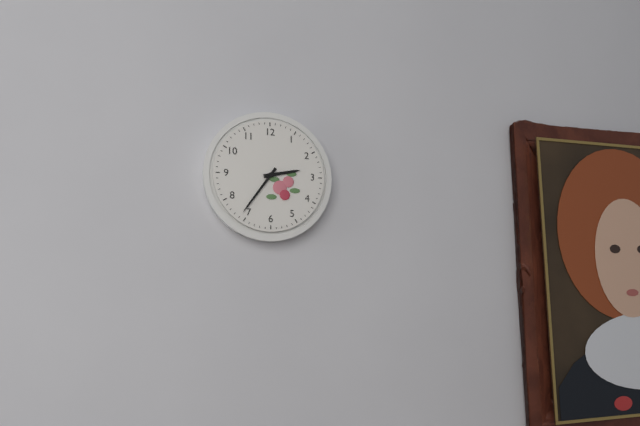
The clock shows 2:36
